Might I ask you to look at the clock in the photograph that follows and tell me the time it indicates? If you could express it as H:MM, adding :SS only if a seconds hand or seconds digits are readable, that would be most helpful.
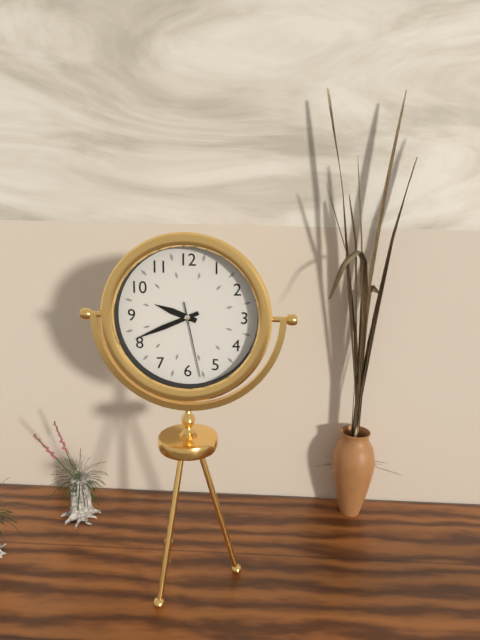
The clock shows 9:41:28
